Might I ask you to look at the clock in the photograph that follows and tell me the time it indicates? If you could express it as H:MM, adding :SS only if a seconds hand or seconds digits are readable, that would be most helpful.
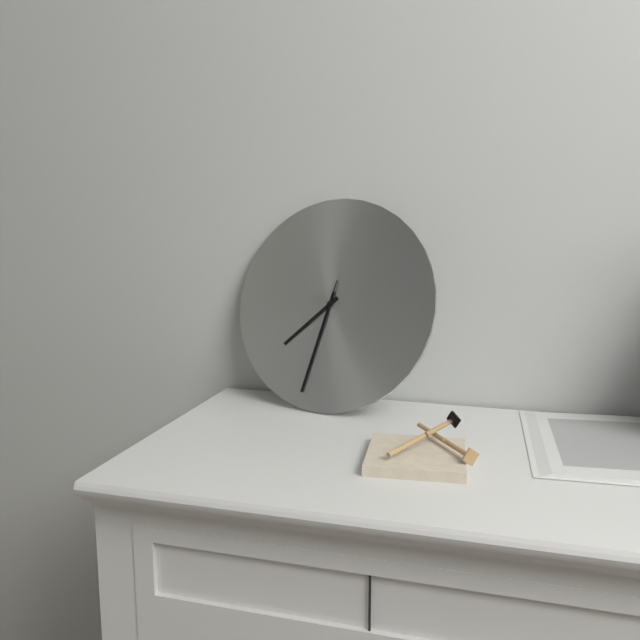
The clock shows 7:32:32
